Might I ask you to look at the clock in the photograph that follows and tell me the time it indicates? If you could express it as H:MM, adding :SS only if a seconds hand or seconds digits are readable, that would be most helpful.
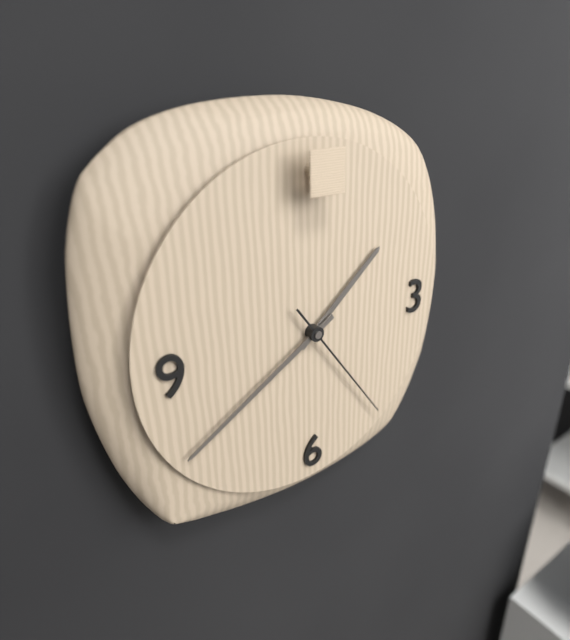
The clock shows 1:40:24
